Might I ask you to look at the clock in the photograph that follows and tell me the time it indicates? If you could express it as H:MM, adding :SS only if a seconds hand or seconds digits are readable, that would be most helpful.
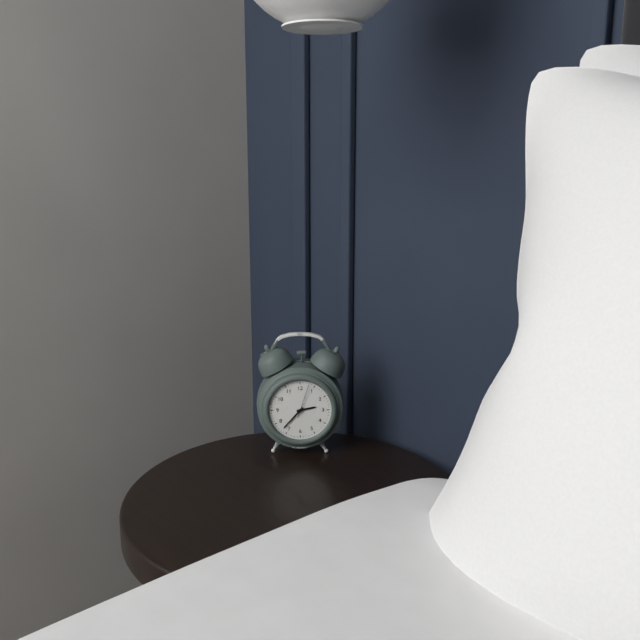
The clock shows 2:37
